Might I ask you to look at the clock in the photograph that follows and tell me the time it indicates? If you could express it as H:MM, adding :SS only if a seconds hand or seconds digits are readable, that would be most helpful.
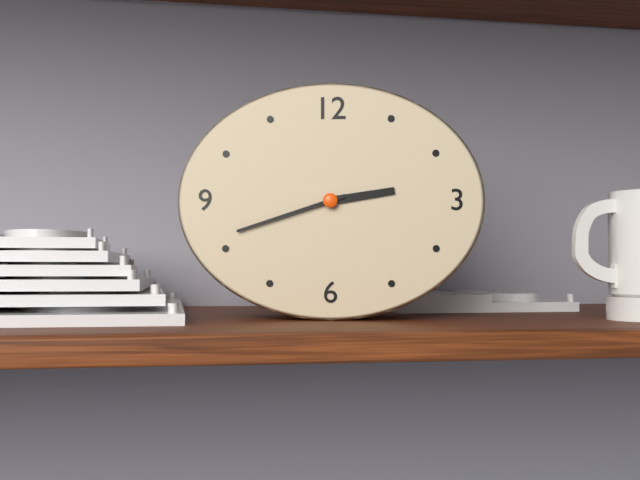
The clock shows 2:42
